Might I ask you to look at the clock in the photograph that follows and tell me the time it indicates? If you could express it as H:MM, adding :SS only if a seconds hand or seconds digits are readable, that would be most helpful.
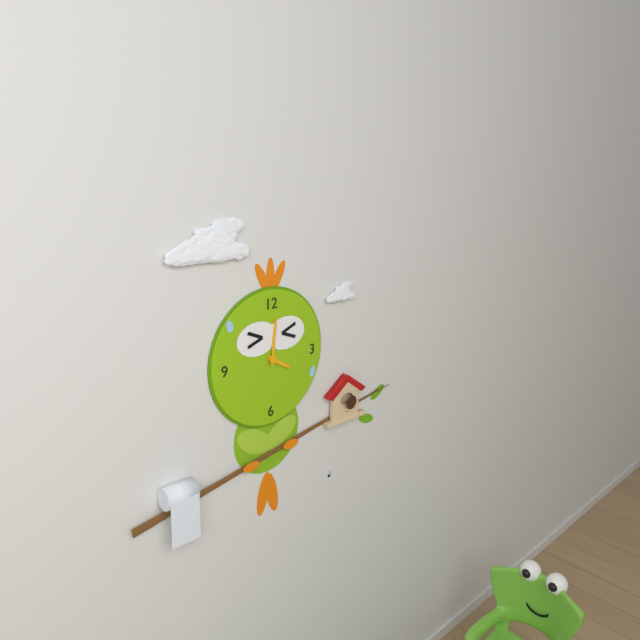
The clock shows 4:01
